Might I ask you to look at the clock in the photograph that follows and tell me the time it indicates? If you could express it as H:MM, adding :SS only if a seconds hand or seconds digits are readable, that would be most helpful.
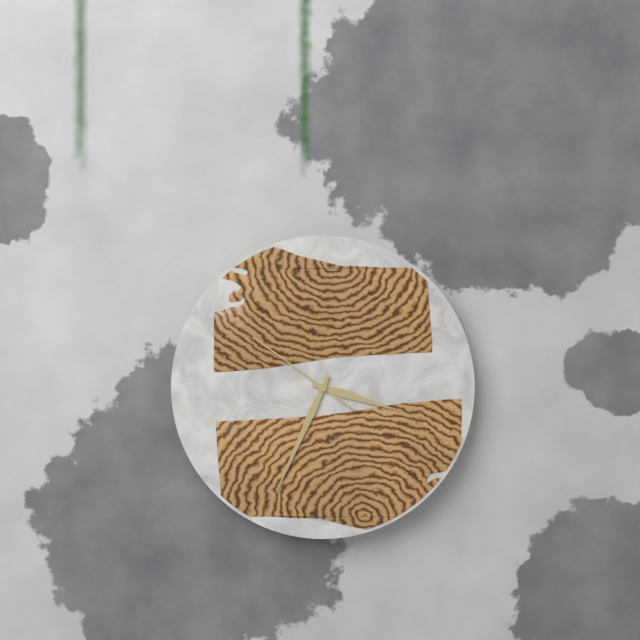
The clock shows 3:34:51
